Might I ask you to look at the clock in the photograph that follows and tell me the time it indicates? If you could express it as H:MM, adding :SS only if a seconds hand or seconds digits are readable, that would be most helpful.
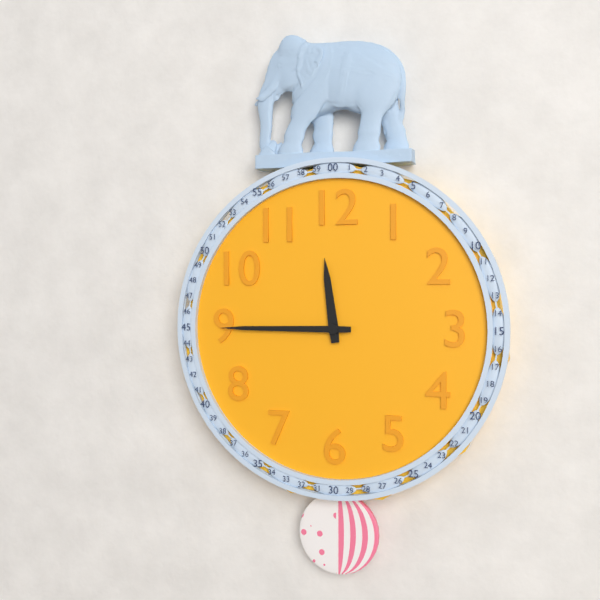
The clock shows 11:45
